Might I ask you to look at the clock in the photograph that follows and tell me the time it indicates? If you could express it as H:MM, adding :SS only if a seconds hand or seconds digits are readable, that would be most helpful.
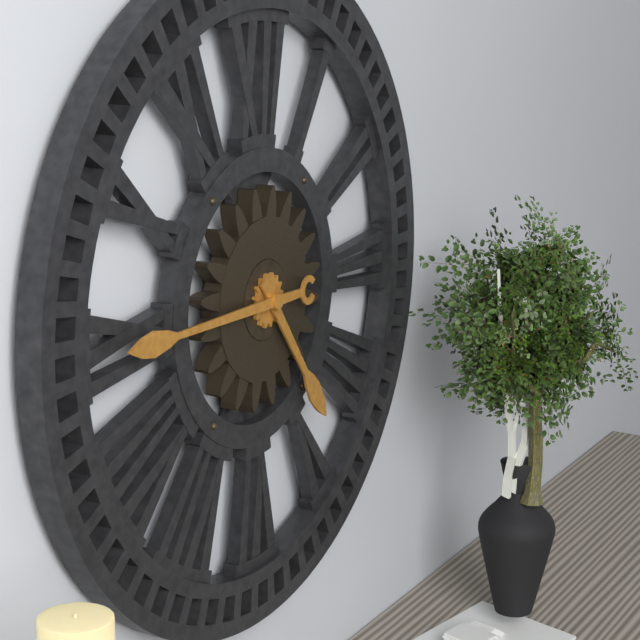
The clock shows 4:45
